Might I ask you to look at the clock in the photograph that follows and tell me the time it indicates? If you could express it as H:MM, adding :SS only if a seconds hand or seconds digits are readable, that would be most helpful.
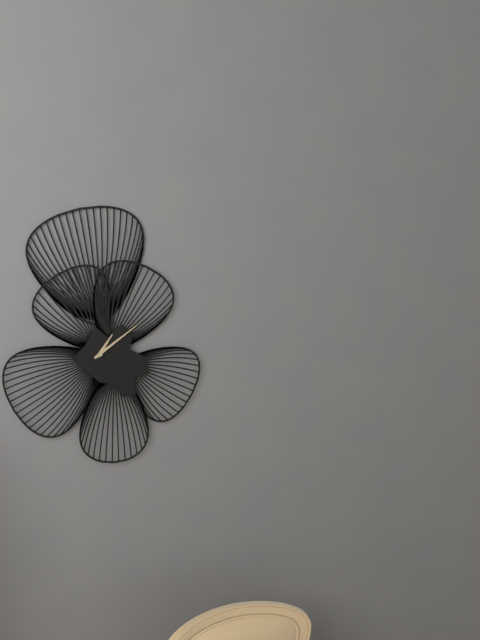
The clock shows 1:09
